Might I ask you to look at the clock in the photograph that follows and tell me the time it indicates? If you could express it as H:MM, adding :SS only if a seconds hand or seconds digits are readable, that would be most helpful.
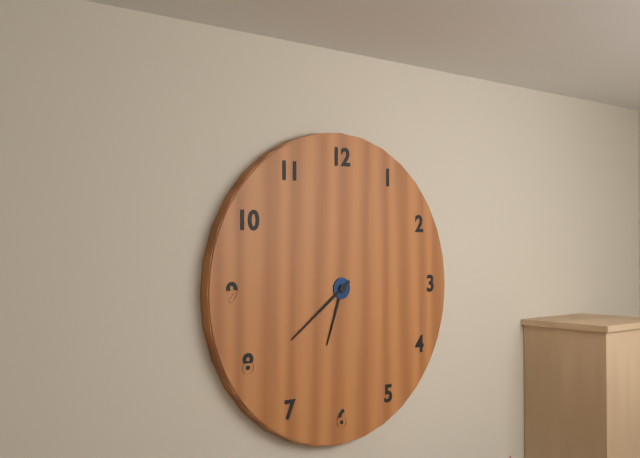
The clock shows 6:39
